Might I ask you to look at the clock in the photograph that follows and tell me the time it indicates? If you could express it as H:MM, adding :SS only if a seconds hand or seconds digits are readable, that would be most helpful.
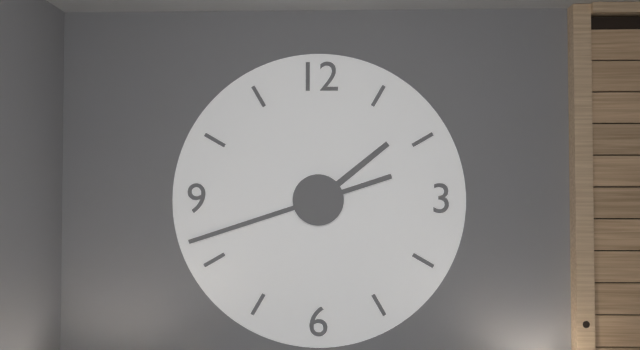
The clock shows 1:42
